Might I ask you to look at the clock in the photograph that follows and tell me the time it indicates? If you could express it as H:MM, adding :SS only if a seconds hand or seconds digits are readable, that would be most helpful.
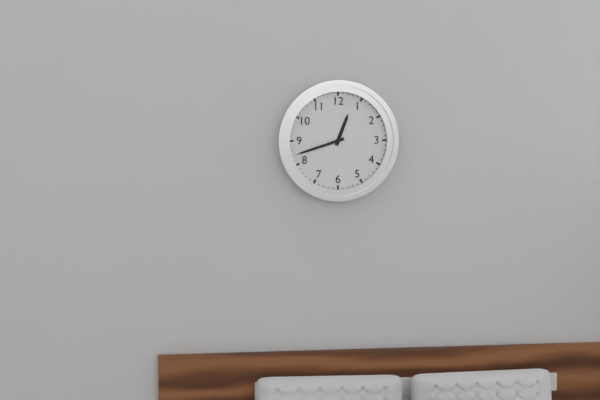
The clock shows 12:42
